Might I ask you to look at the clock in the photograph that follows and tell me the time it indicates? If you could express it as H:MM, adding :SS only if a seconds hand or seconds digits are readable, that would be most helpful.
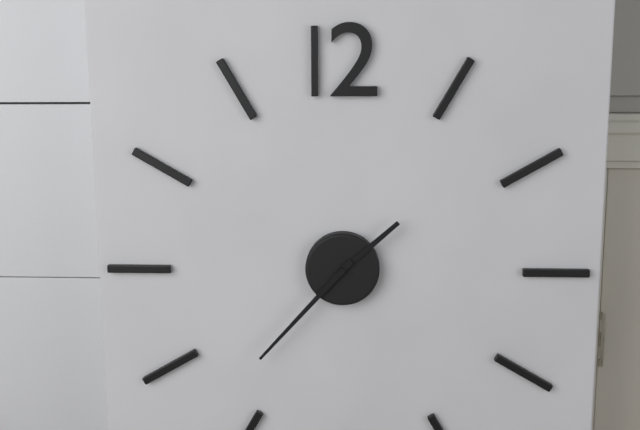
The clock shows 1:37
